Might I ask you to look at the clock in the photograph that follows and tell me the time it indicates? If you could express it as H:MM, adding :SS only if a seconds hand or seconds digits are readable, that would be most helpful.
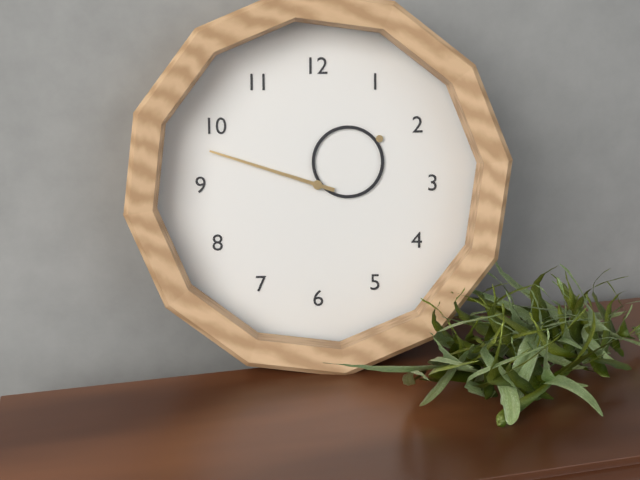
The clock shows 1:48
